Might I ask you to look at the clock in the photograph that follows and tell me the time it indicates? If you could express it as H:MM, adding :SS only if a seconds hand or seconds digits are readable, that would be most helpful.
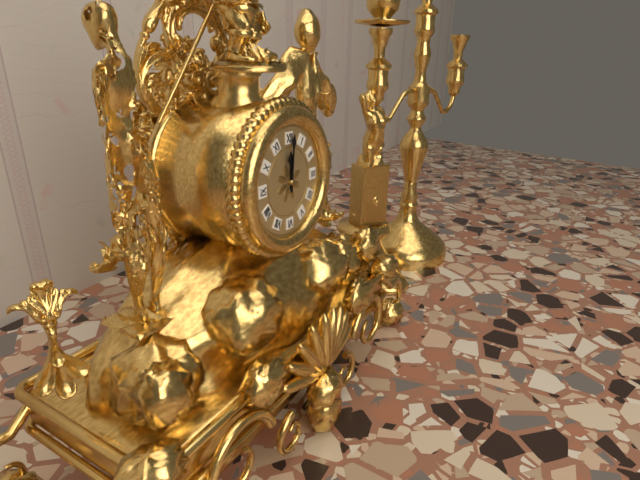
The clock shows 12:01
